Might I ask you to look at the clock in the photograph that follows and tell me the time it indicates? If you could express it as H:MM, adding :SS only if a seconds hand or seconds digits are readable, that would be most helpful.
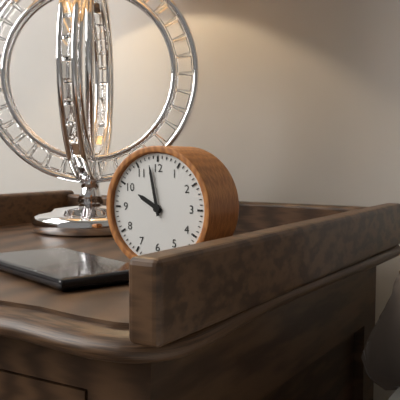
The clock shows 9:58
